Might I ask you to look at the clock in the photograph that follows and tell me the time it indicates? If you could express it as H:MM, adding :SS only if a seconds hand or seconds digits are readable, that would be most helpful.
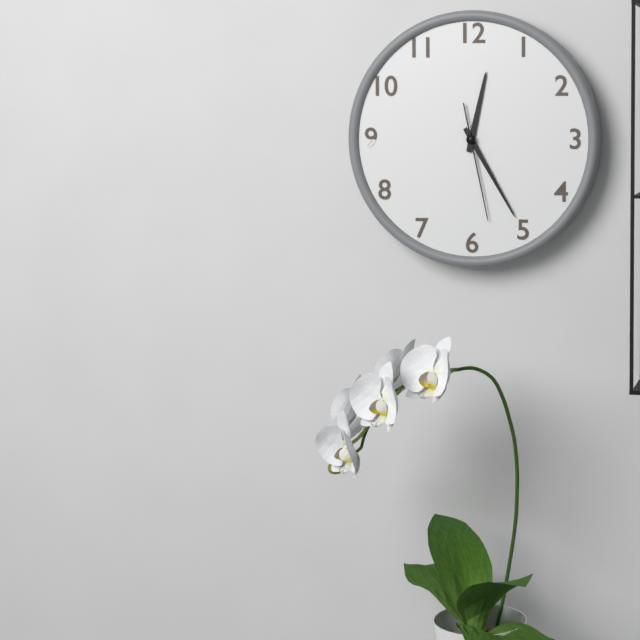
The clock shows 12:25:28
